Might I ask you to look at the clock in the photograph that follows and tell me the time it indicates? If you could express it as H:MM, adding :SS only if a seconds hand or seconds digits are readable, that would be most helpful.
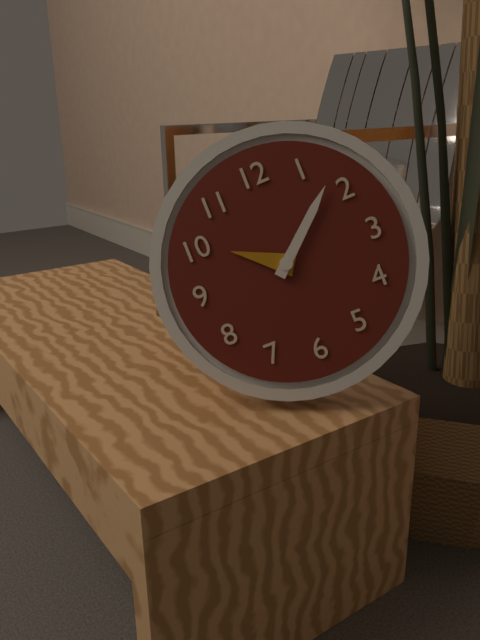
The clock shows 10:08
